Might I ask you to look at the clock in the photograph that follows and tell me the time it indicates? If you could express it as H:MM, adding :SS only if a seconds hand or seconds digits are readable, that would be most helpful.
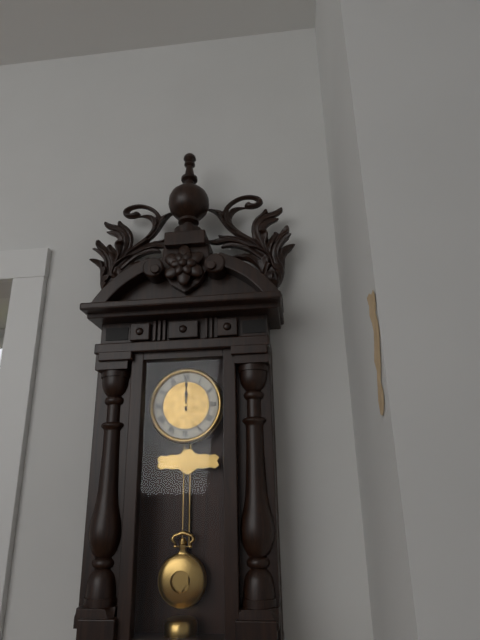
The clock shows 12:00
